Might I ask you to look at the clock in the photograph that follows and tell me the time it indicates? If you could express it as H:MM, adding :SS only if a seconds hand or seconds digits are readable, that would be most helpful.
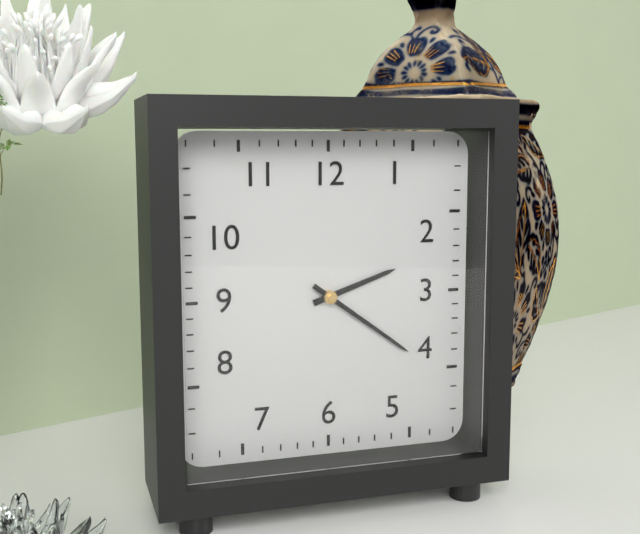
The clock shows 2:21
